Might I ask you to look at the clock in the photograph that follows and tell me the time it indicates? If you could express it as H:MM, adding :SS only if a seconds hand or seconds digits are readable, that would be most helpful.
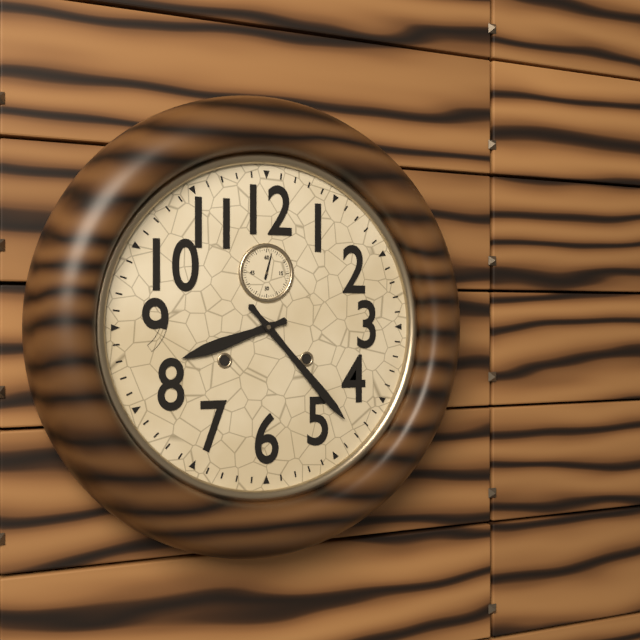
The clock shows 8:23
